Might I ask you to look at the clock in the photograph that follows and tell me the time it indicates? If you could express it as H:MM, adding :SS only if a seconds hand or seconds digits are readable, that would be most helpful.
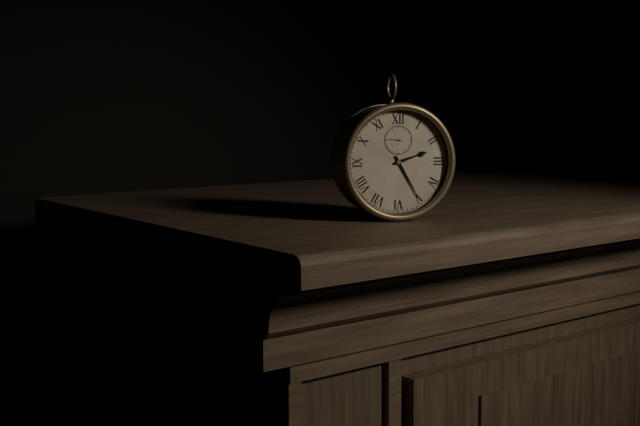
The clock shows 2:25
